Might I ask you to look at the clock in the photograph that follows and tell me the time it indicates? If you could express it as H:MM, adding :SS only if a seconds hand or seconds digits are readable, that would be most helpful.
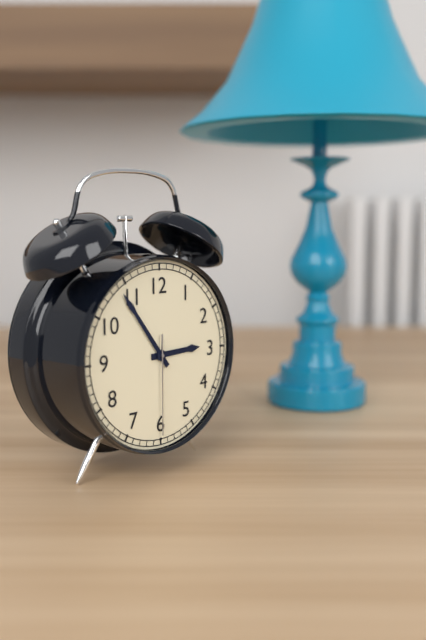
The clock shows 2:54:30
